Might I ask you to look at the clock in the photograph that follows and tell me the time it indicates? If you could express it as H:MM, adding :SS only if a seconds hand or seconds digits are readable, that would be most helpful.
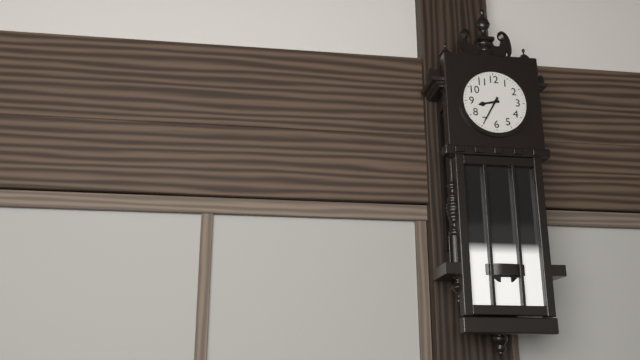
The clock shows 8:35
